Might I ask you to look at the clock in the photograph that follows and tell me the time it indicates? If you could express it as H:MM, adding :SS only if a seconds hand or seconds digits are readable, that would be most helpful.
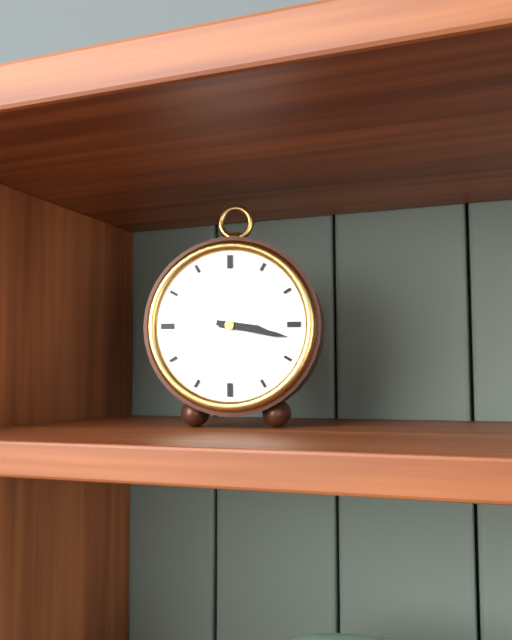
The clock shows 3:17
